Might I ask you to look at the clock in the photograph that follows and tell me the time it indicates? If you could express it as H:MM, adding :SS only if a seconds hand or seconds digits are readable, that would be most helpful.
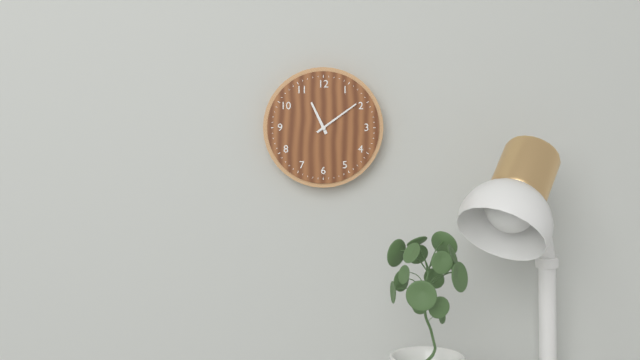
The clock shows 11:09
